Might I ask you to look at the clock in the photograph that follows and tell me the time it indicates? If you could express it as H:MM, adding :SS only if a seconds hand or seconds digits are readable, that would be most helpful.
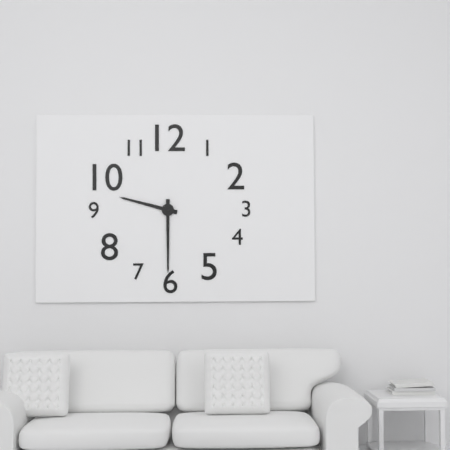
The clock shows 9:30
